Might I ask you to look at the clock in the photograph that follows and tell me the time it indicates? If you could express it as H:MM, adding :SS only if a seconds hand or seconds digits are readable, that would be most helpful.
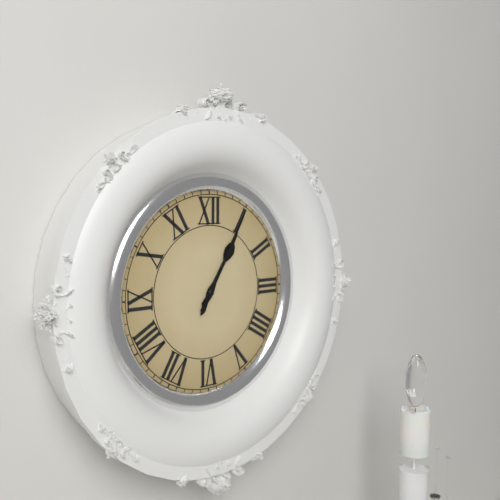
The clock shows 1:05
